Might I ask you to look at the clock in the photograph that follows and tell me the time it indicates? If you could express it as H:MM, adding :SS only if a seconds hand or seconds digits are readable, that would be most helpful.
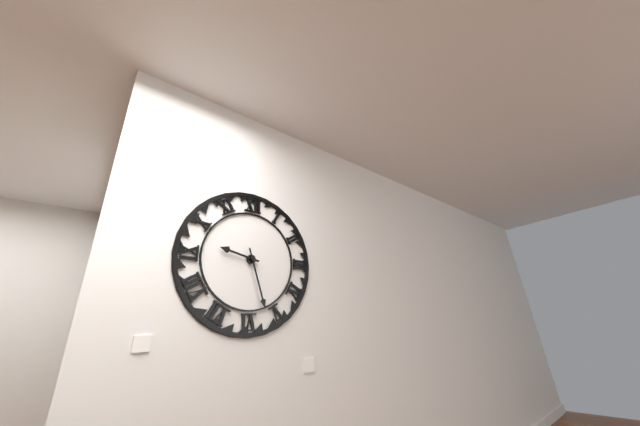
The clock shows 9:27
